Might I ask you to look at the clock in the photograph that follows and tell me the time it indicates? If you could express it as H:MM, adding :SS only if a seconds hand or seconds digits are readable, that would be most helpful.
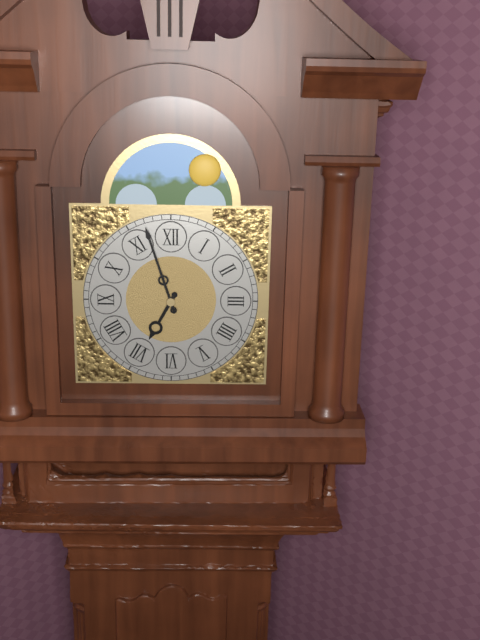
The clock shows 6:57
